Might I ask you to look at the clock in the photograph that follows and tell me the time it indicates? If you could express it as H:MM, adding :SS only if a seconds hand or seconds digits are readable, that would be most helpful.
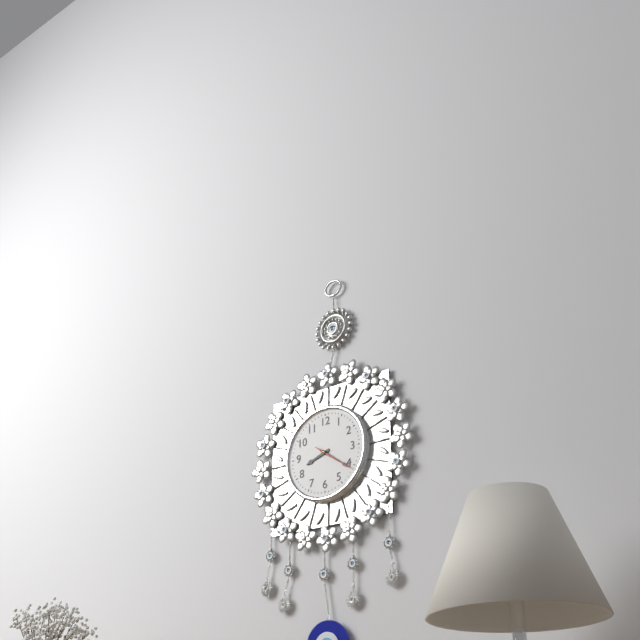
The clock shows 8:21
